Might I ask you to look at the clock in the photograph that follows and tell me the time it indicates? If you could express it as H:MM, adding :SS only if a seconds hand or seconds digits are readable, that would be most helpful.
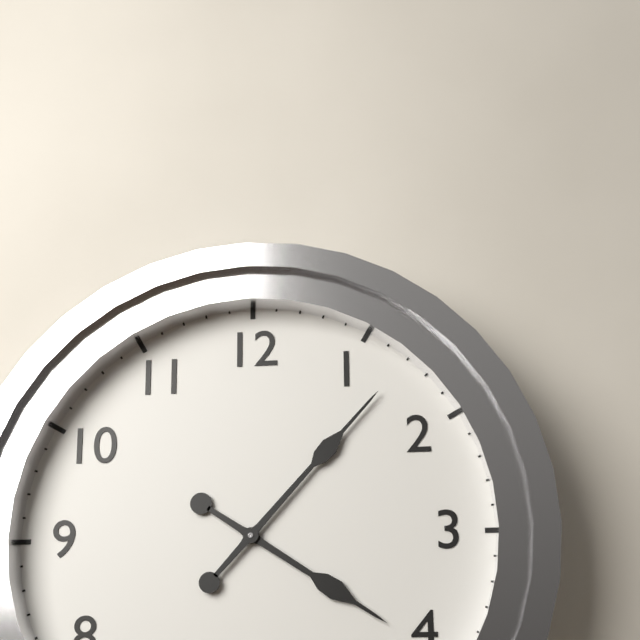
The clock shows 4:07
